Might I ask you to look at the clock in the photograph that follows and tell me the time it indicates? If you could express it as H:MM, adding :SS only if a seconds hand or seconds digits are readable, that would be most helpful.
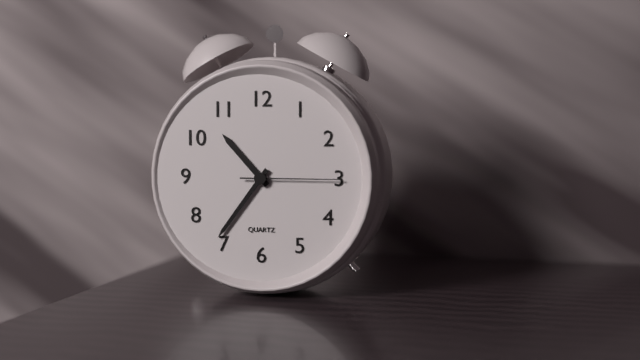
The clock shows 10:36:15
